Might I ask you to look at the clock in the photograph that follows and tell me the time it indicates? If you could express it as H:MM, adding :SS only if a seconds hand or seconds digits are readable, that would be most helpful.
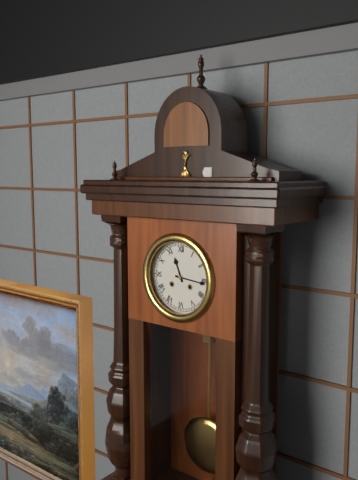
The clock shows 11:16
